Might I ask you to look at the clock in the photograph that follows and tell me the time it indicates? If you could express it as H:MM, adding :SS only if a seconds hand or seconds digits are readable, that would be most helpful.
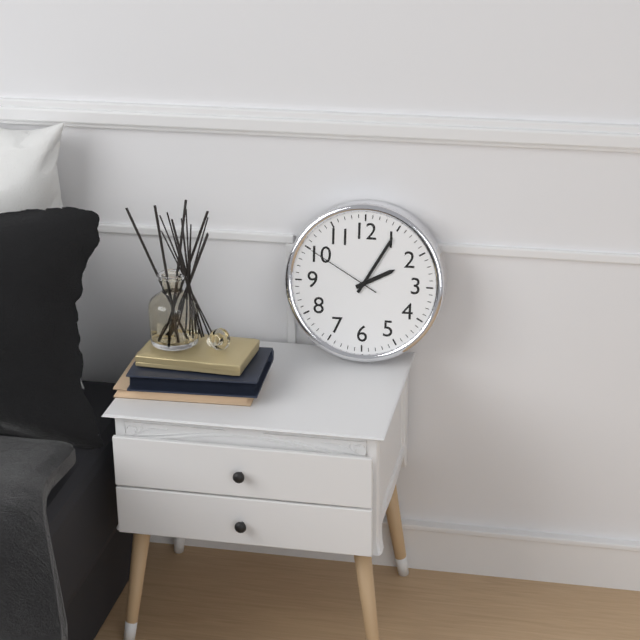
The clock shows 2:05:50
